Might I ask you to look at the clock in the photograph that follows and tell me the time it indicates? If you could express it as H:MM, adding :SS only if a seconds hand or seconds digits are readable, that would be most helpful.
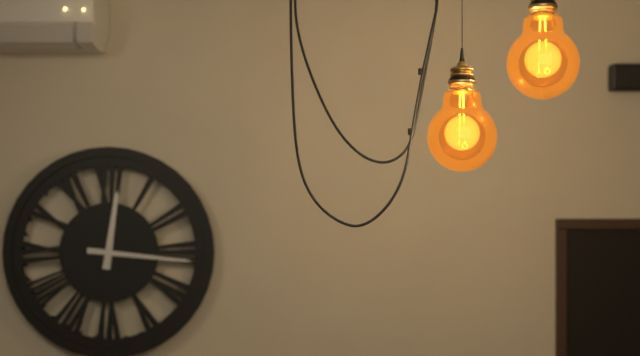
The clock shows 12:16
